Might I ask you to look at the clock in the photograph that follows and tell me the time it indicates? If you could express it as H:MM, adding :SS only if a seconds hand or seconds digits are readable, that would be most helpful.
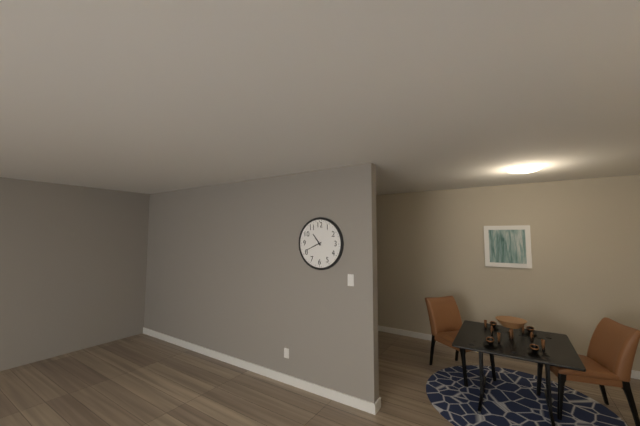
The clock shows 10:41
